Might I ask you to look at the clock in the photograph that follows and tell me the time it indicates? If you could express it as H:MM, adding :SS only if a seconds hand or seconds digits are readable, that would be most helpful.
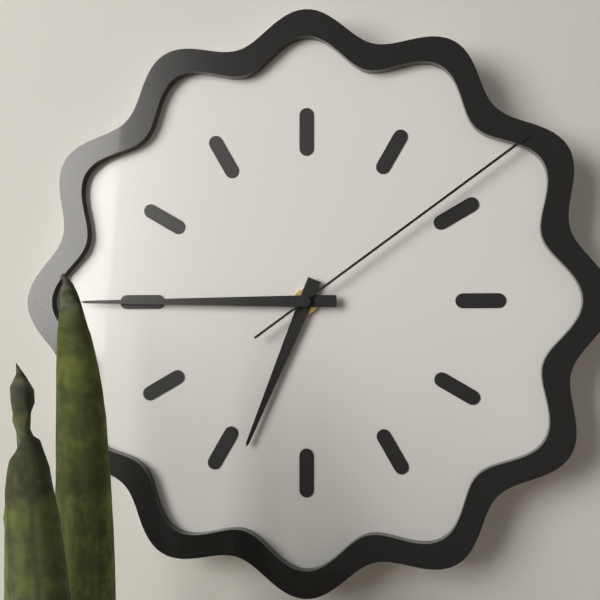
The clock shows 6:45:09
